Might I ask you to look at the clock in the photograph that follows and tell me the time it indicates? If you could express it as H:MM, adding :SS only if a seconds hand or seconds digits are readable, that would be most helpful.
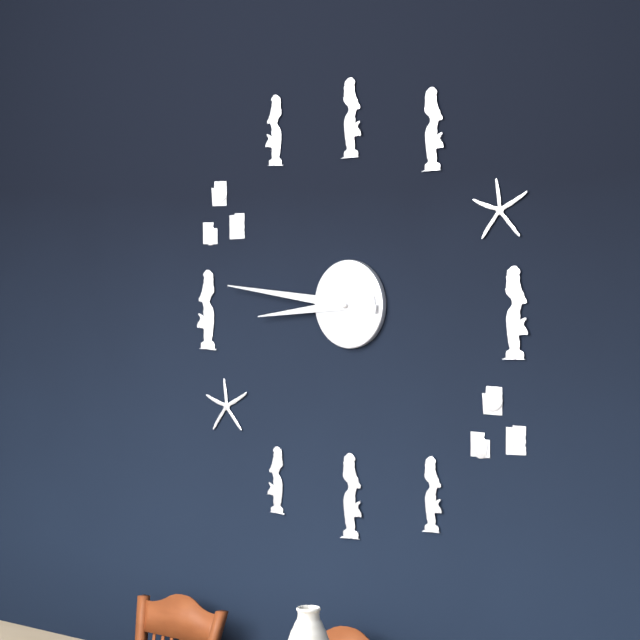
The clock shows 8:46
